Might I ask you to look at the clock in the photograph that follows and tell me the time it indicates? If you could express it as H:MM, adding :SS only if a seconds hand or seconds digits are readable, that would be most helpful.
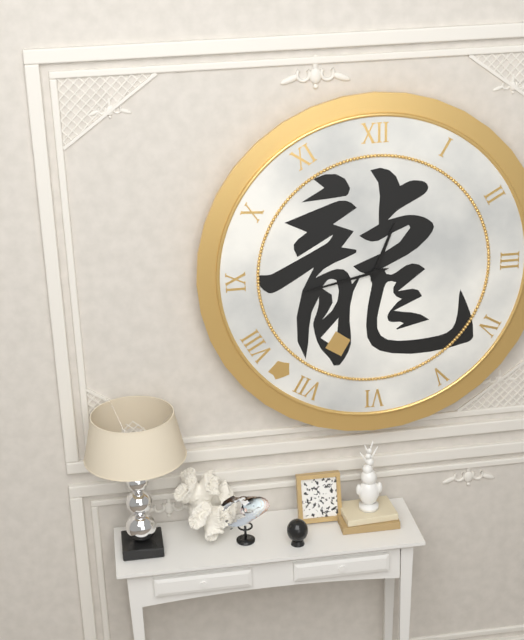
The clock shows 12:43
